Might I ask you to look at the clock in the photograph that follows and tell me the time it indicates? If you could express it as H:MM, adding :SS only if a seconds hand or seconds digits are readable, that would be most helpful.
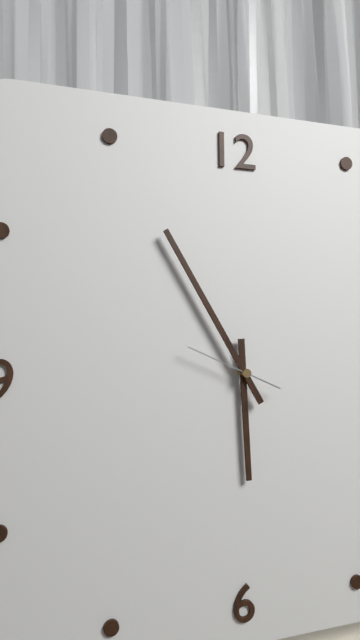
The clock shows 5:55:49
